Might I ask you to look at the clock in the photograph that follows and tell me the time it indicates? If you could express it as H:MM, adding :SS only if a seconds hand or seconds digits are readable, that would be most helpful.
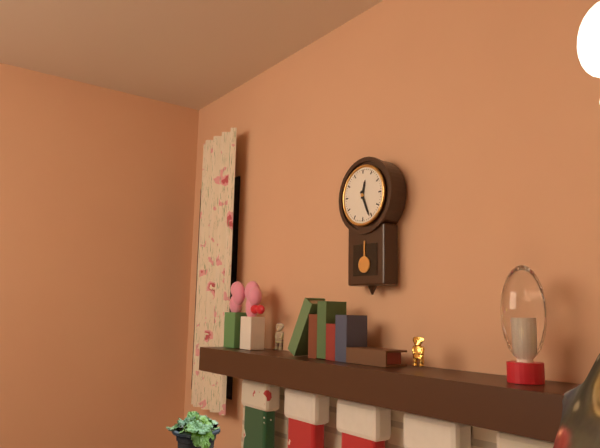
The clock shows 12:26
